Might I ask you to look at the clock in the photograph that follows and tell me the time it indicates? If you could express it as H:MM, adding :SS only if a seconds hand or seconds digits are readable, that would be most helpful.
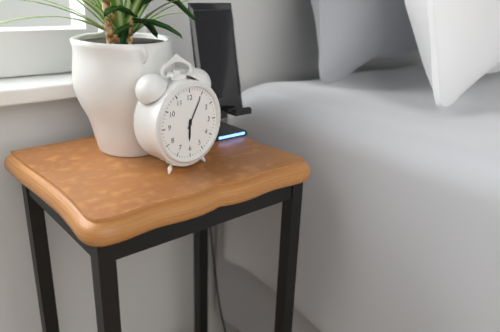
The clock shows 6:05
